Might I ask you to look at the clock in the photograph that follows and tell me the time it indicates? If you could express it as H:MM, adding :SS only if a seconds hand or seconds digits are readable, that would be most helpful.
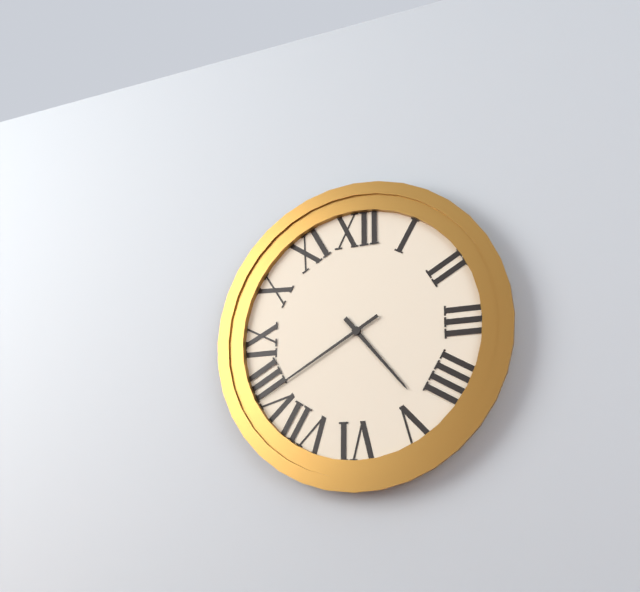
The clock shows 4:40
